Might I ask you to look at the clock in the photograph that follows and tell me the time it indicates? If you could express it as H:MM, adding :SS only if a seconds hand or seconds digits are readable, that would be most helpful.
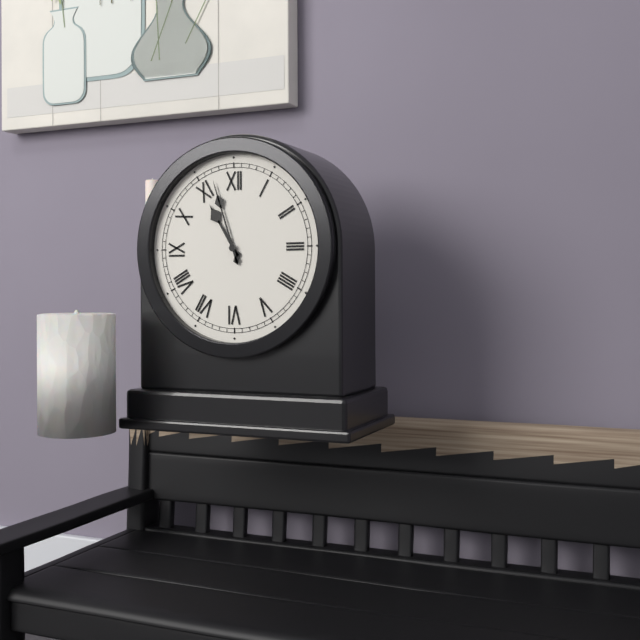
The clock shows 10:57
